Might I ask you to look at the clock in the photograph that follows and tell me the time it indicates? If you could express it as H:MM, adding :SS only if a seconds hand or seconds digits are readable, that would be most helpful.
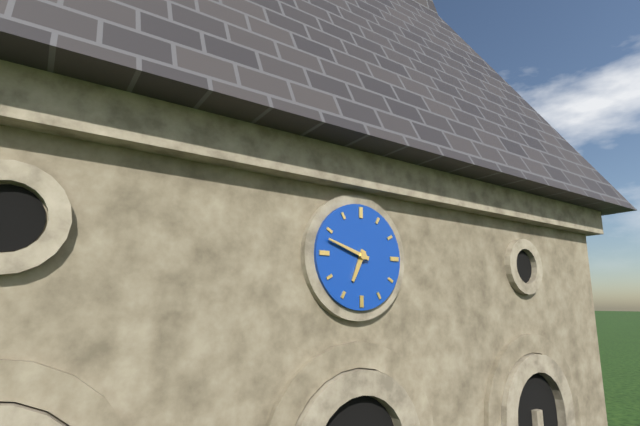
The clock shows 6:48
